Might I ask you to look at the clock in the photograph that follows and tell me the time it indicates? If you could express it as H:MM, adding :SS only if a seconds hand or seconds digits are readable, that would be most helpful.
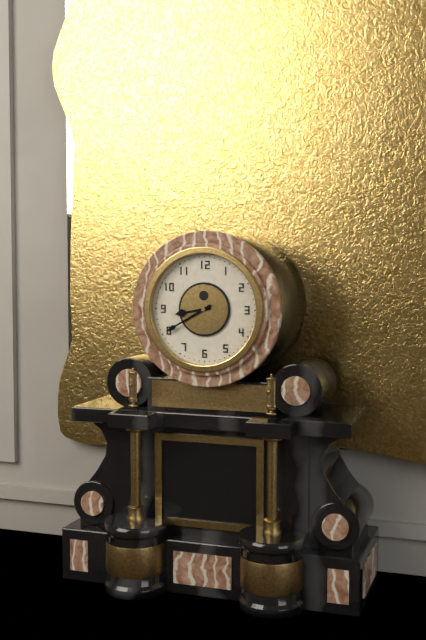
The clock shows 8:40
